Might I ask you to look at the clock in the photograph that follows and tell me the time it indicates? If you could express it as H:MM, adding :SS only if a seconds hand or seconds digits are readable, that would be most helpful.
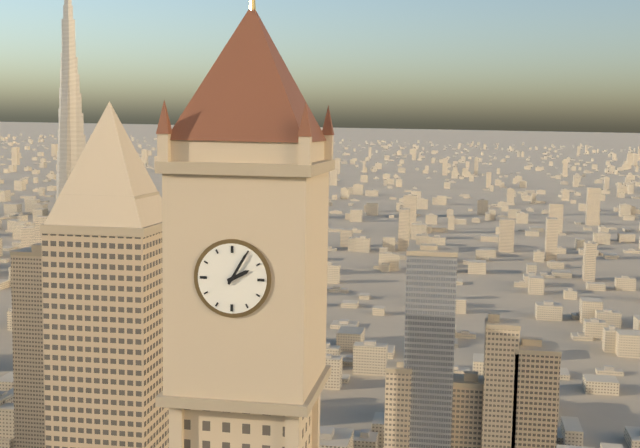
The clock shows 2:05
